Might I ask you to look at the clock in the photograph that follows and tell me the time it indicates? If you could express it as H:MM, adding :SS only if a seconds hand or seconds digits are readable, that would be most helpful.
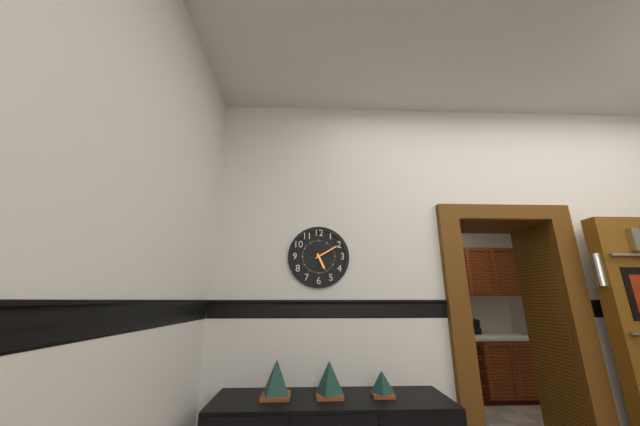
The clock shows 5:10
